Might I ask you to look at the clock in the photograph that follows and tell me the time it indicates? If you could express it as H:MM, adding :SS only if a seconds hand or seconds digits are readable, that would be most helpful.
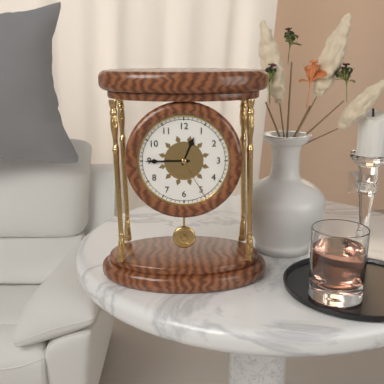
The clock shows 12:45:25
